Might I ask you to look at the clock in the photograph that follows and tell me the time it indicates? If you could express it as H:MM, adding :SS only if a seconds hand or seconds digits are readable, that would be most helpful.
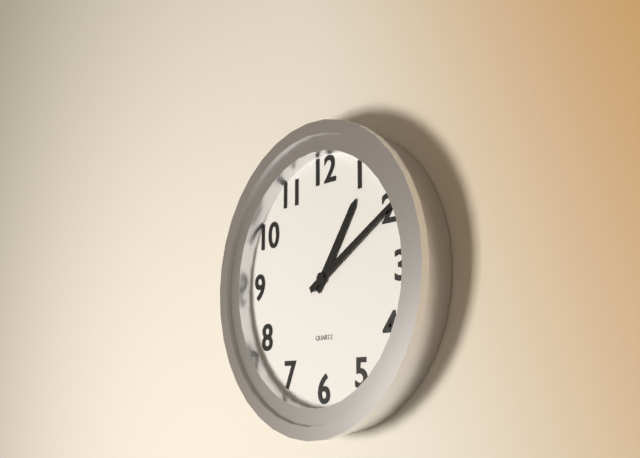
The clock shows 1:10
